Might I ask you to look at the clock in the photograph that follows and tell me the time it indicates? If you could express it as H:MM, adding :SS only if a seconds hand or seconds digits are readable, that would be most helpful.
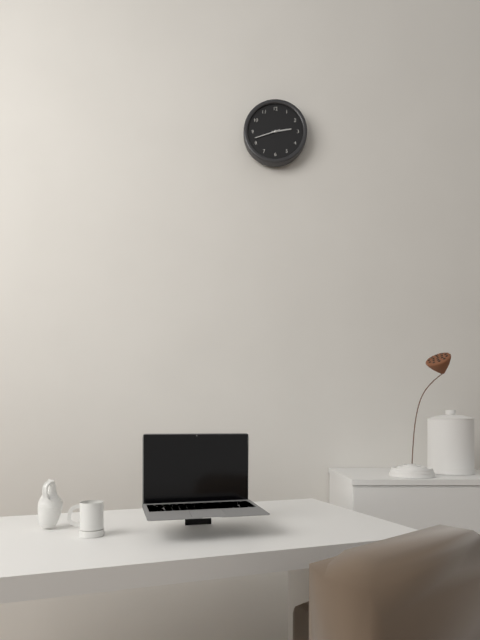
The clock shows 2:42
